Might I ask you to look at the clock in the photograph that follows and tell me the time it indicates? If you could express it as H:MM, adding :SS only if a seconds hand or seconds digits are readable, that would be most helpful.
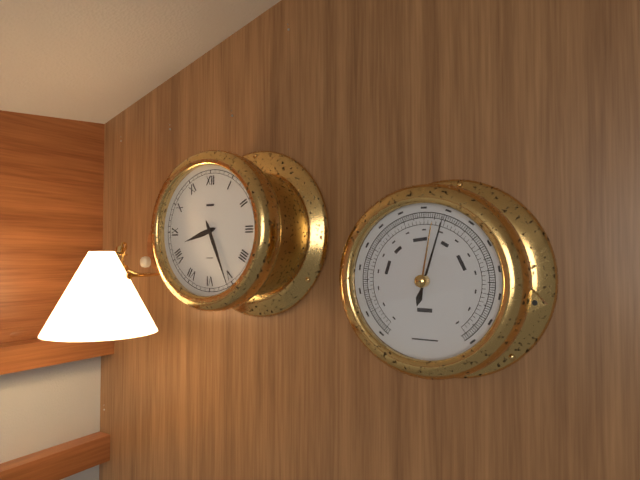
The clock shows 8:26
